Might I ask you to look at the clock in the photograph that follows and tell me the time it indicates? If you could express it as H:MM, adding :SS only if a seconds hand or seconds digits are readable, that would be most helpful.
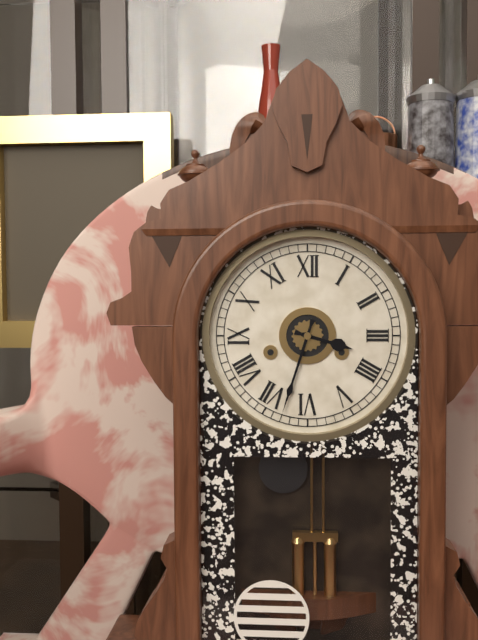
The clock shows 3:33
